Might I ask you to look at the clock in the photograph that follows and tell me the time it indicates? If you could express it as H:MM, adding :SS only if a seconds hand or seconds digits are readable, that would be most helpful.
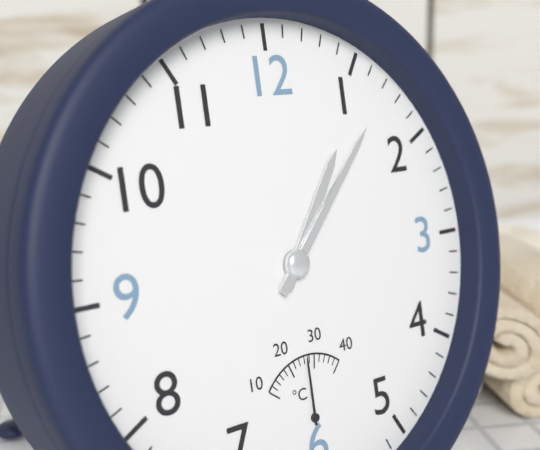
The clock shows 1:07
